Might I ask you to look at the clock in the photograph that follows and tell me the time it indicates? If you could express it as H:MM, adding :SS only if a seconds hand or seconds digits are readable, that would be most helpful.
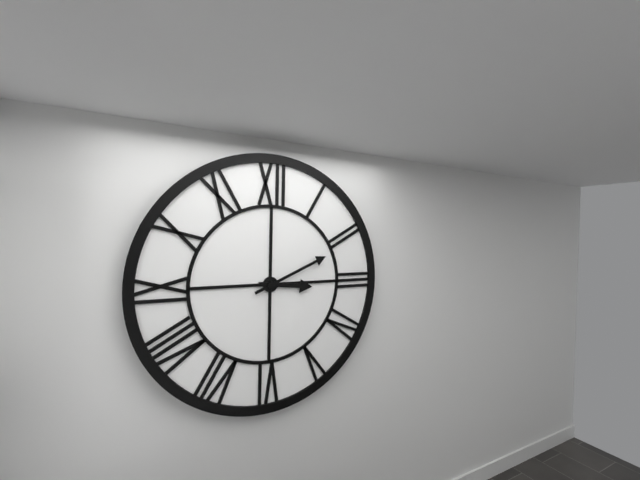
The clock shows 3:11
